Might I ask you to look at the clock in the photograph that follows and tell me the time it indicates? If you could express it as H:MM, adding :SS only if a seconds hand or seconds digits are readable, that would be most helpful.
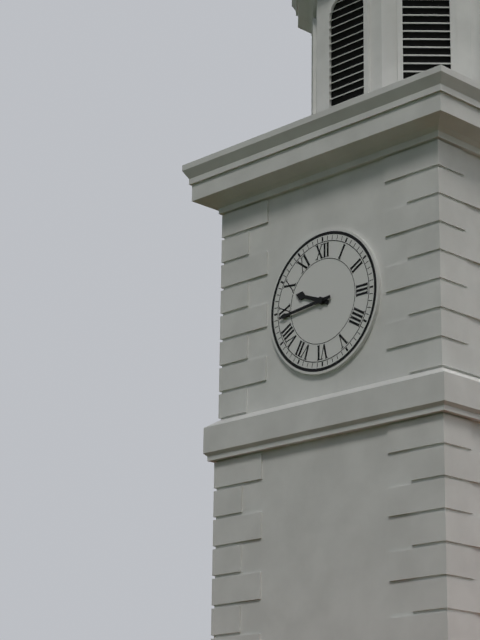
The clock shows 9:44
